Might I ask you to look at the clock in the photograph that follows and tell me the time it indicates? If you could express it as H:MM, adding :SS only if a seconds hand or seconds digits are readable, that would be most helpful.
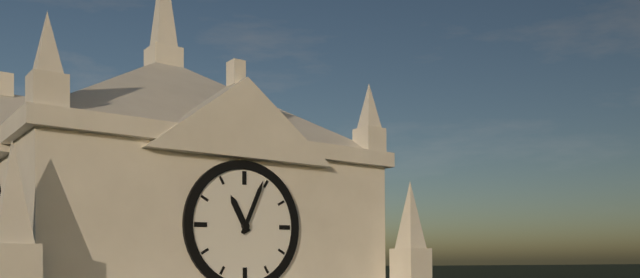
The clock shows 11:04
